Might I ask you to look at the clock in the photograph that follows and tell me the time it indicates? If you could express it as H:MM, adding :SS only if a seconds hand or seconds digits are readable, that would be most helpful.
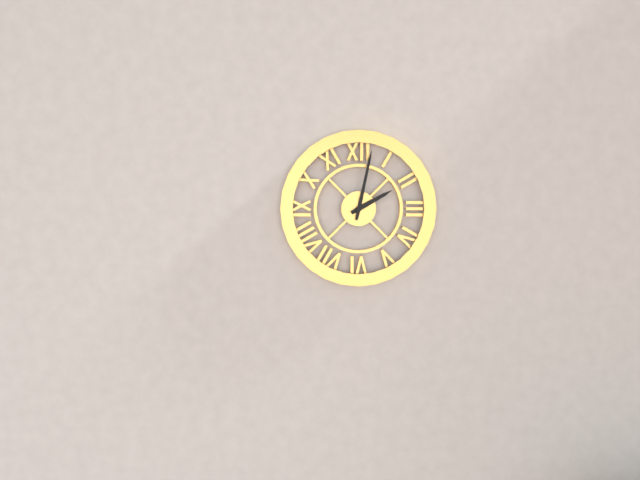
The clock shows 2:02
